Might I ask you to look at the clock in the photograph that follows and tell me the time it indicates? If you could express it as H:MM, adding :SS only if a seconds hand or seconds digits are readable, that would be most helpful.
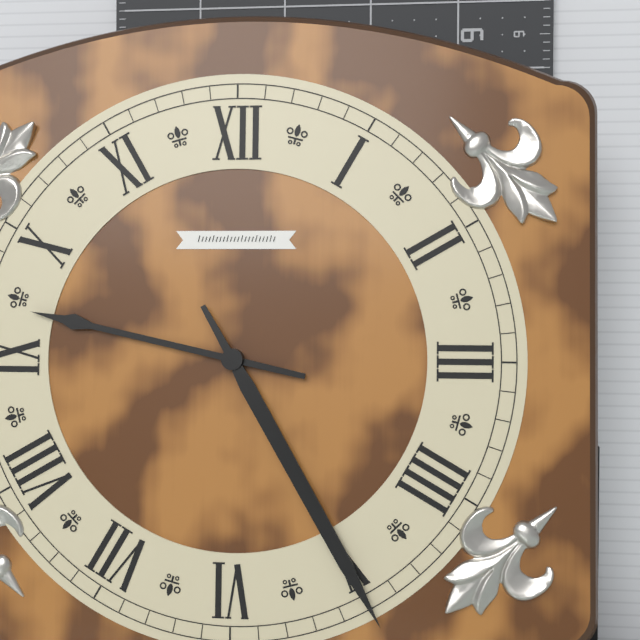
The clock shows 9:25
